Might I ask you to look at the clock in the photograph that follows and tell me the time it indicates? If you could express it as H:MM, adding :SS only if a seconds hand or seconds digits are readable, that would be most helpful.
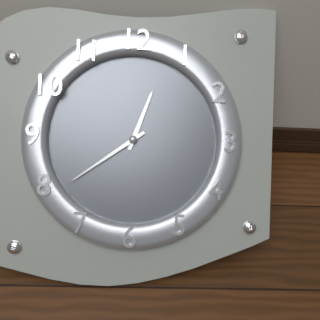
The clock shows 12:39
